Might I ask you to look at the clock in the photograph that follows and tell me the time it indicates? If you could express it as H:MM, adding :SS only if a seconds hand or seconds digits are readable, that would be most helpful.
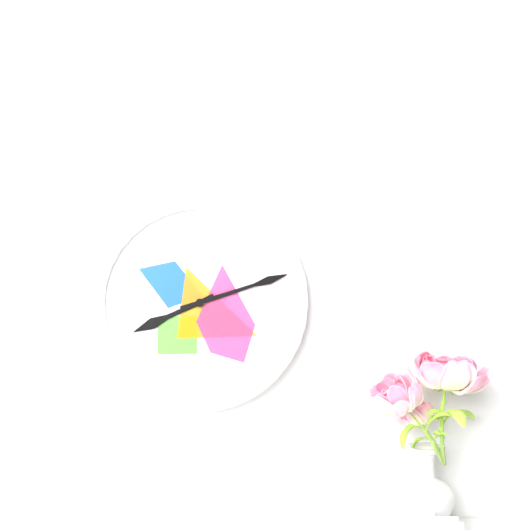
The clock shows 8:12
